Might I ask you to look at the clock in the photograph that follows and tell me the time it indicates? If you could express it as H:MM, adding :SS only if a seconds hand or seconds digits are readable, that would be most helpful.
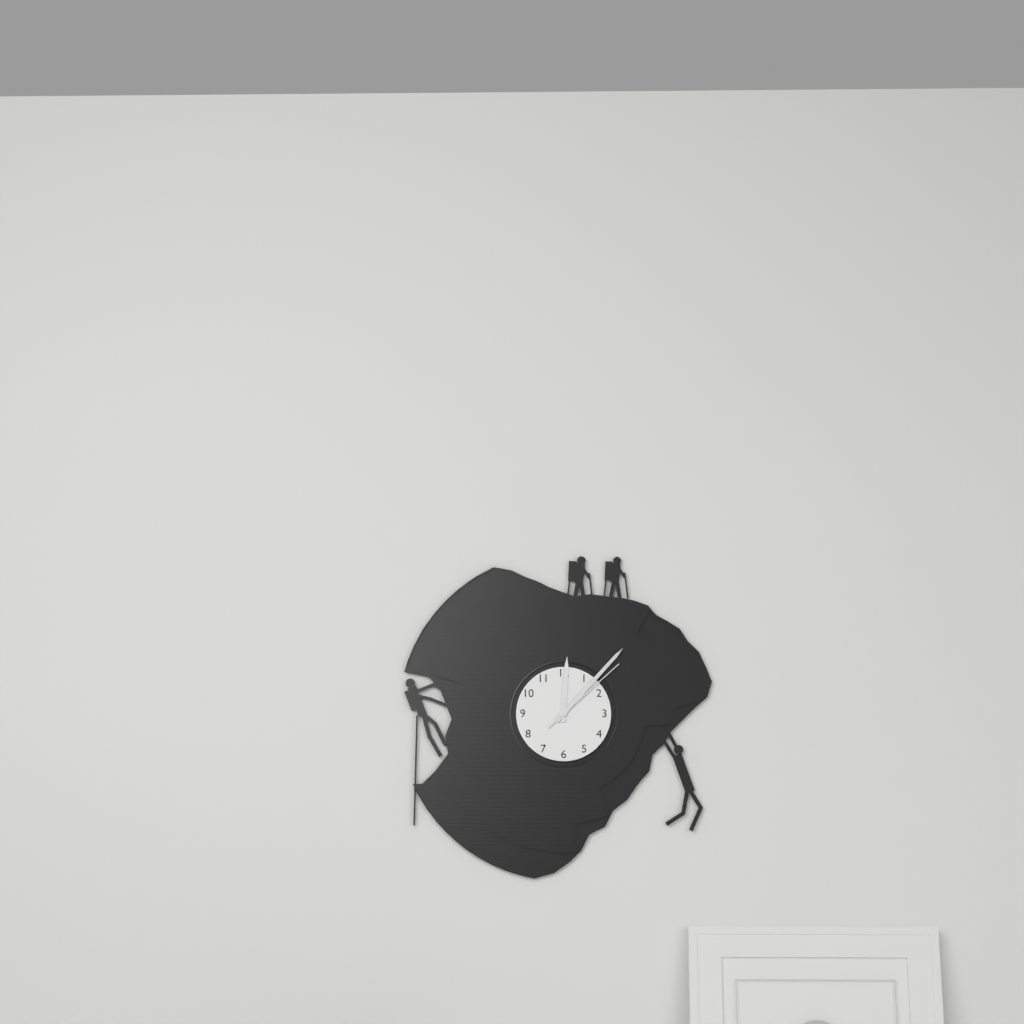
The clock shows 12:07:08
